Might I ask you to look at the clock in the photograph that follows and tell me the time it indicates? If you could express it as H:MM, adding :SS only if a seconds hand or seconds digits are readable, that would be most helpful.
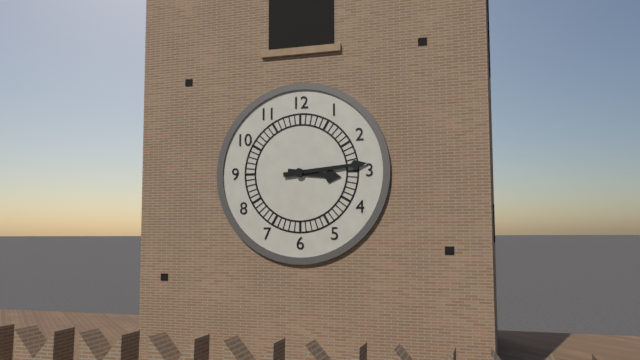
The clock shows 3:14
